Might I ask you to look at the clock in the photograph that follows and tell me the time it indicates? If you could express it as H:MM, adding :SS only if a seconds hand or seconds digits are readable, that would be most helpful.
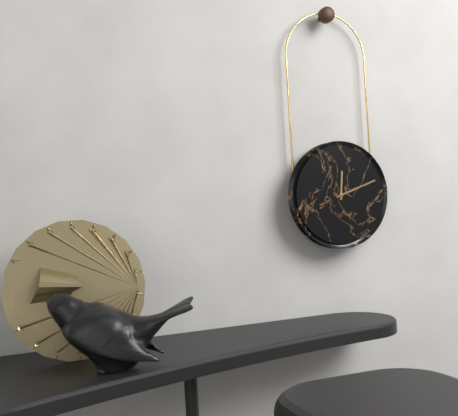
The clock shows 12:12
